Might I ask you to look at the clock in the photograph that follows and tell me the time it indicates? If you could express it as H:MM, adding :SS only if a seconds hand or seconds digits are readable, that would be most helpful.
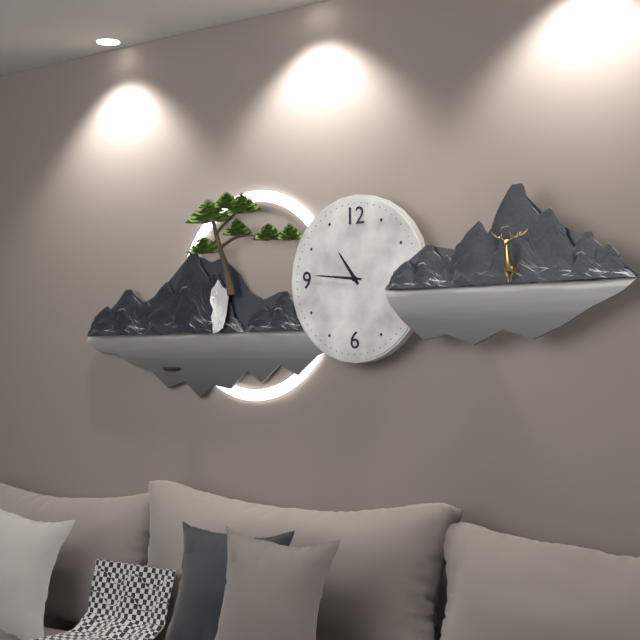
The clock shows 10:46
